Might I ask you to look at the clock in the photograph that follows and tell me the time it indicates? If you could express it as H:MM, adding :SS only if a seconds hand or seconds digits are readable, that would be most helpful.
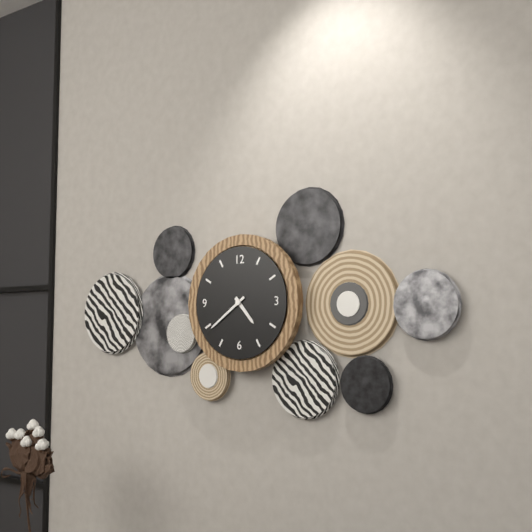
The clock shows 4:39
